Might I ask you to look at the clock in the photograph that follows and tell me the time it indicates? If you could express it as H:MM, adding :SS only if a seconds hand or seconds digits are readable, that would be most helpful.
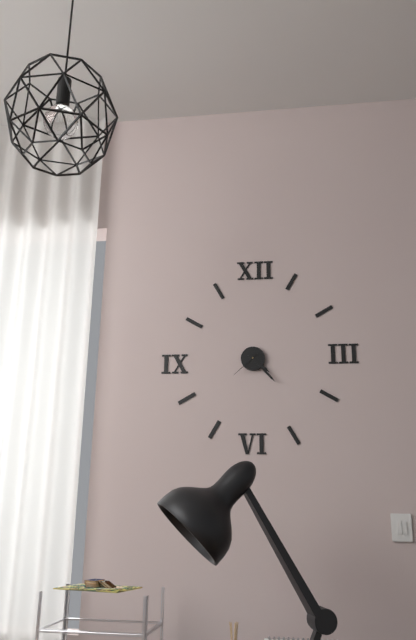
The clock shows 4:23
